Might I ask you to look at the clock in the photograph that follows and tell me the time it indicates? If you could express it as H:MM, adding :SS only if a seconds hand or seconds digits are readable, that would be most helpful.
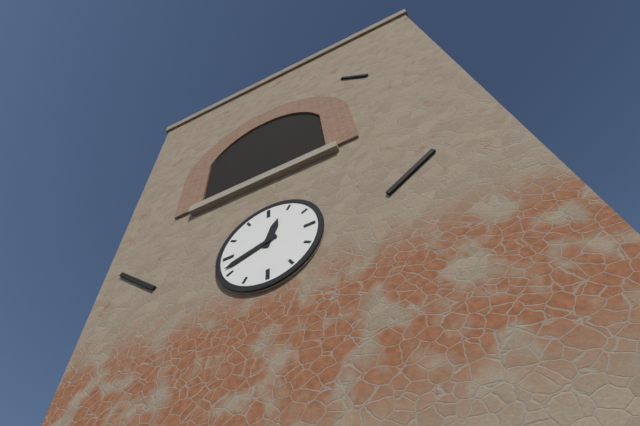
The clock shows 12:42
